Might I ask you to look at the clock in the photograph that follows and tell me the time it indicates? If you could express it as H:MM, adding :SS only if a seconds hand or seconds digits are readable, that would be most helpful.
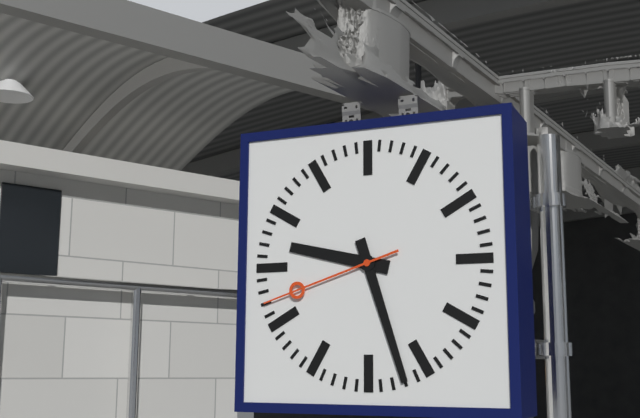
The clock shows 9:27:42
